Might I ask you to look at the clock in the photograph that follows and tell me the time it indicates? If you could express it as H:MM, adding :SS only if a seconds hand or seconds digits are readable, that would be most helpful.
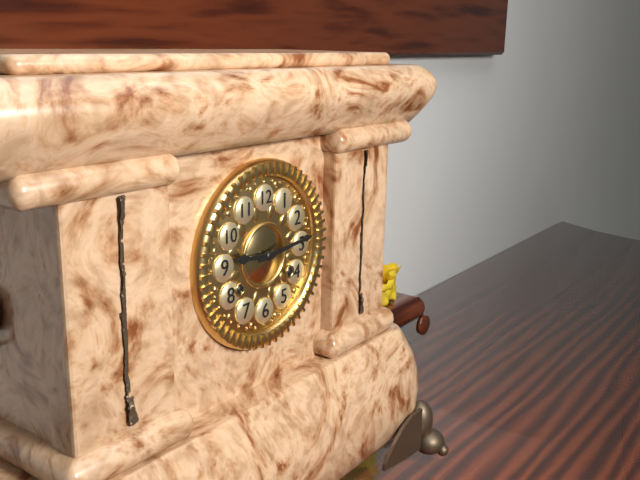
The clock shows 9:14
